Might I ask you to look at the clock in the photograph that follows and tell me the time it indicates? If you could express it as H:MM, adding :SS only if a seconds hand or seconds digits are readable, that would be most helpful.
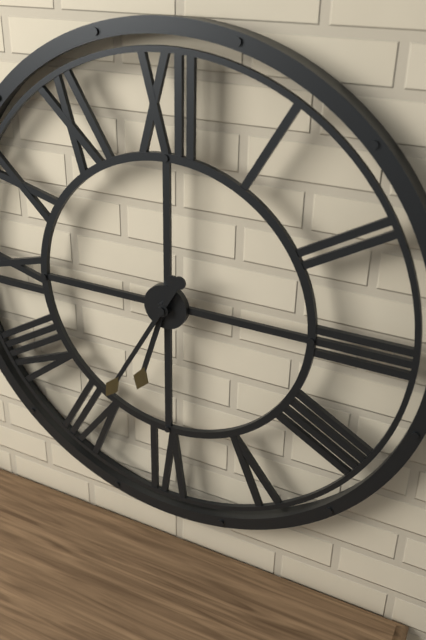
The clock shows 6:35
